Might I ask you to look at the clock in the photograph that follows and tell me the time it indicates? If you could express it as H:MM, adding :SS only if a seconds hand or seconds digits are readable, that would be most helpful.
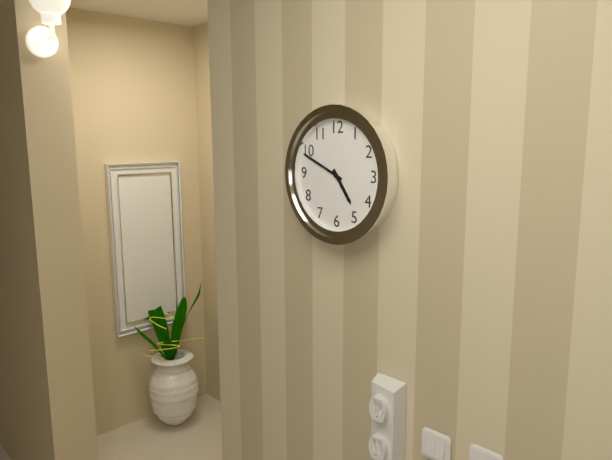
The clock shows 4:49
